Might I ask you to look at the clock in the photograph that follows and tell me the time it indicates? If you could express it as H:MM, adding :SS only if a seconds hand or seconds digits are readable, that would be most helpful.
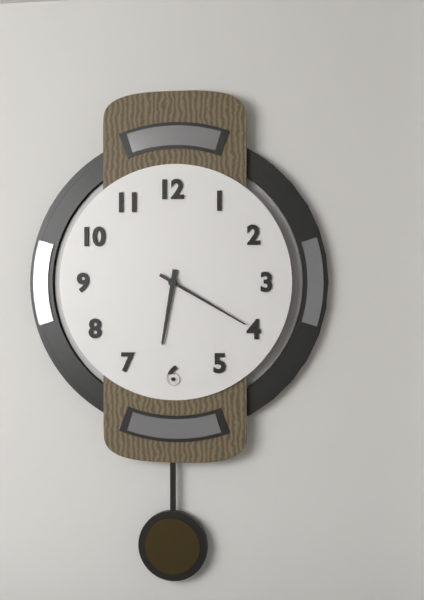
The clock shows 6:20
